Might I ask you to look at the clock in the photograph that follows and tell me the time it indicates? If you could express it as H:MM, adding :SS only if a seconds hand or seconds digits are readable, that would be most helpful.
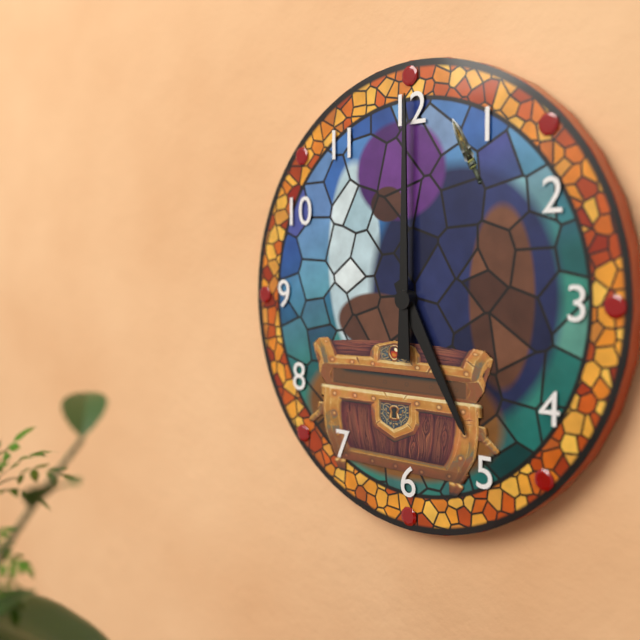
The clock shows 5:00
